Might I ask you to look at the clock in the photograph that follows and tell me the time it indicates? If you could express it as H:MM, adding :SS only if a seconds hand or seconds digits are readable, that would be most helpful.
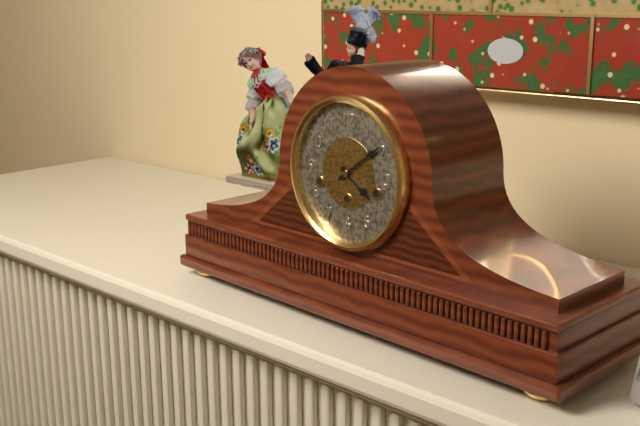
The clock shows 4:09
